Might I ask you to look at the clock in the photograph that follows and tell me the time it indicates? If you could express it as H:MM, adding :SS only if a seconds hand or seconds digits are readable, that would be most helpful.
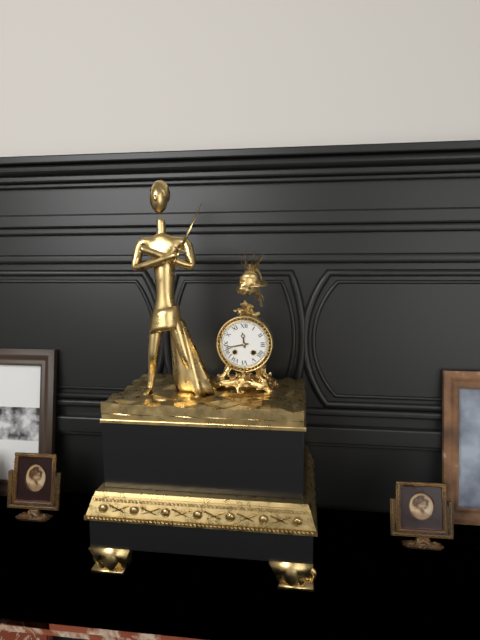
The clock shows 11:43
